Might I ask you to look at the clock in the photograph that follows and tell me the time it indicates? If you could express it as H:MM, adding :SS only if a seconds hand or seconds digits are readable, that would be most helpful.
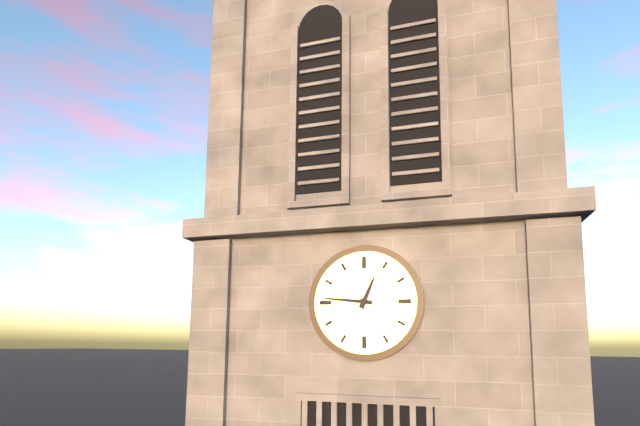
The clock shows 12:46
